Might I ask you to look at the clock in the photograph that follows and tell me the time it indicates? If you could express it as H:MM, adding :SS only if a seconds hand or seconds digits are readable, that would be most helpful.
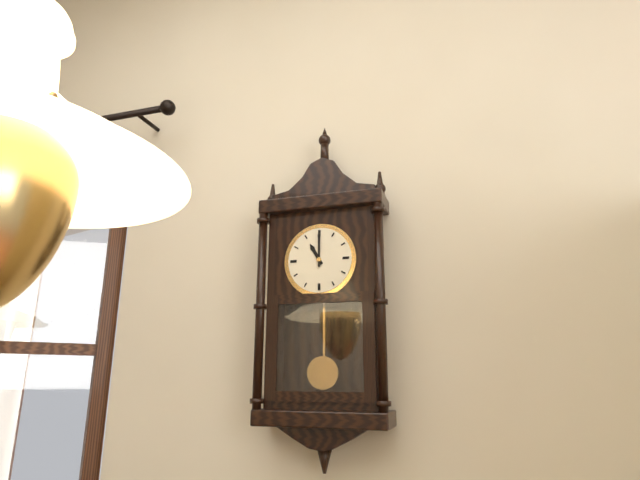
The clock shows 11:00
